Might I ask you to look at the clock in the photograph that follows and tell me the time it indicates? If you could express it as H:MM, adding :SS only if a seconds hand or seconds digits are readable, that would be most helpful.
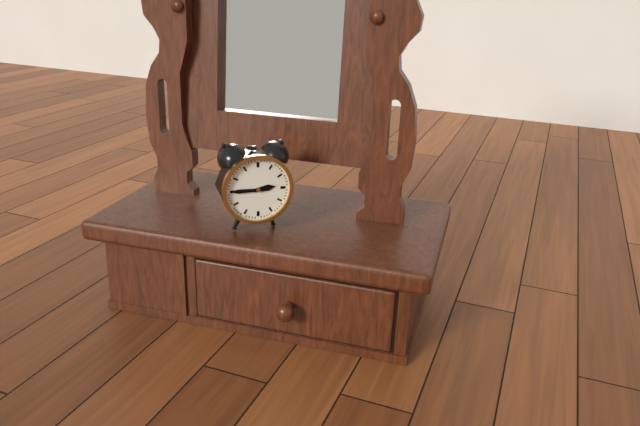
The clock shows 2:45
